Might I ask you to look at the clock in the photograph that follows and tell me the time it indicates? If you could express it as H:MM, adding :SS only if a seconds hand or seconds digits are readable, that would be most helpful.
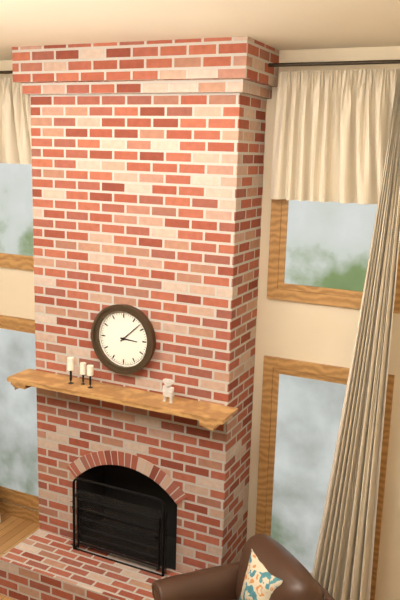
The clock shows 3:08
